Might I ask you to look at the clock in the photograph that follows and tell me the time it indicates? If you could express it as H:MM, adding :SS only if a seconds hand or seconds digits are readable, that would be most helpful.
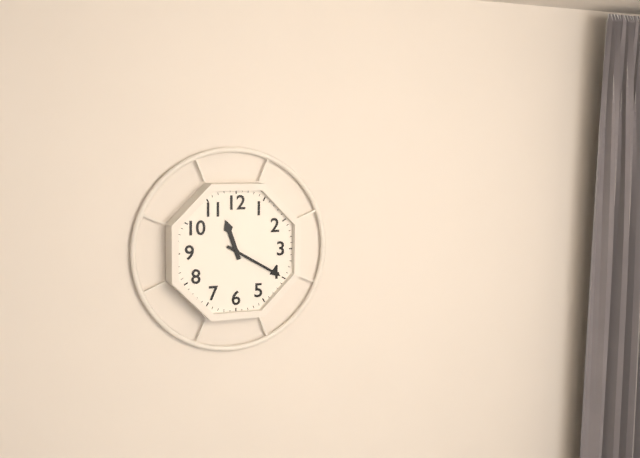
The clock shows 11:20
